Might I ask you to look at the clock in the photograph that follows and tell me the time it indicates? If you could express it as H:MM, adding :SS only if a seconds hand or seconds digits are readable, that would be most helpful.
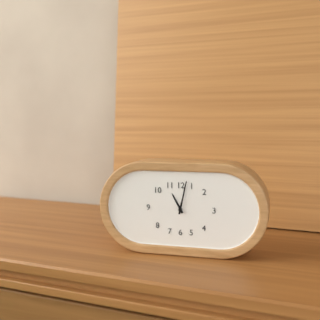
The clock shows 11:02
